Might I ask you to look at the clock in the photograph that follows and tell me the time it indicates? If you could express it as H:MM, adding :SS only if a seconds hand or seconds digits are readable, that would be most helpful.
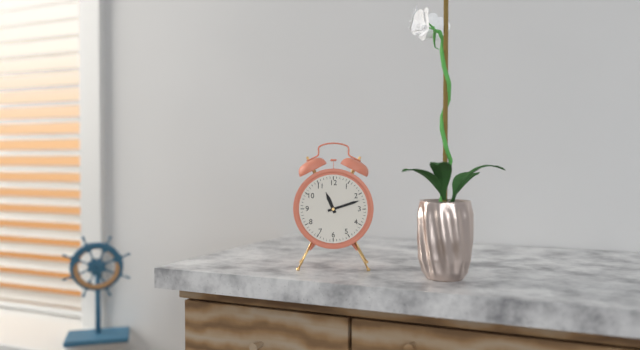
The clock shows 11:12
